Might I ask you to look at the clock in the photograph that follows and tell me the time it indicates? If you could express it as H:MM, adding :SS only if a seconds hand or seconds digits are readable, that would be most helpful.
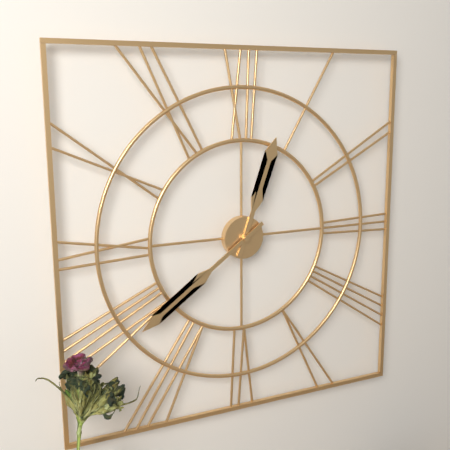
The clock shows 12:39
